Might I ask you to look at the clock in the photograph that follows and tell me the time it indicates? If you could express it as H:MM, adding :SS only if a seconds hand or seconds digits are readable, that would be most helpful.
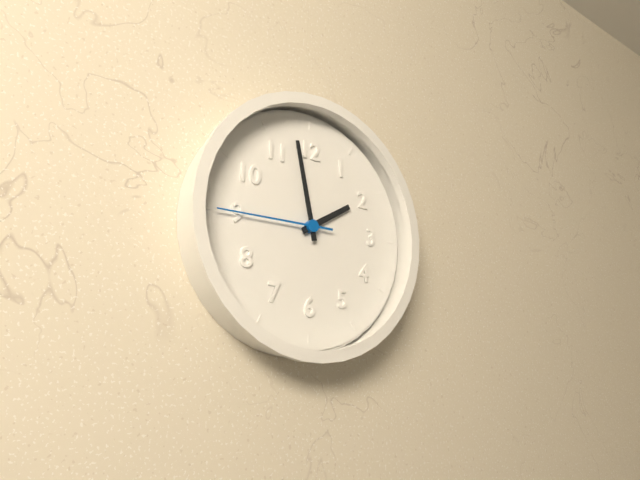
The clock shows 1:58:45
